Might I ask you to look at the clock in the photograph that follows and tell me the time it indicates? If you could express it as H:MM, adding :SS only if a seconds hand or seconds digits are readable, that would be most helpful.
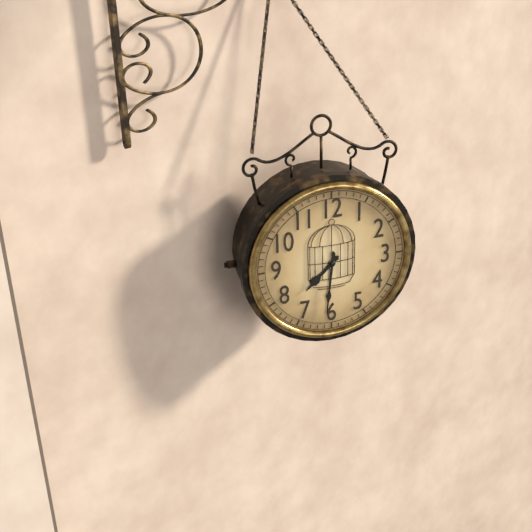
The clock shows 7:31
